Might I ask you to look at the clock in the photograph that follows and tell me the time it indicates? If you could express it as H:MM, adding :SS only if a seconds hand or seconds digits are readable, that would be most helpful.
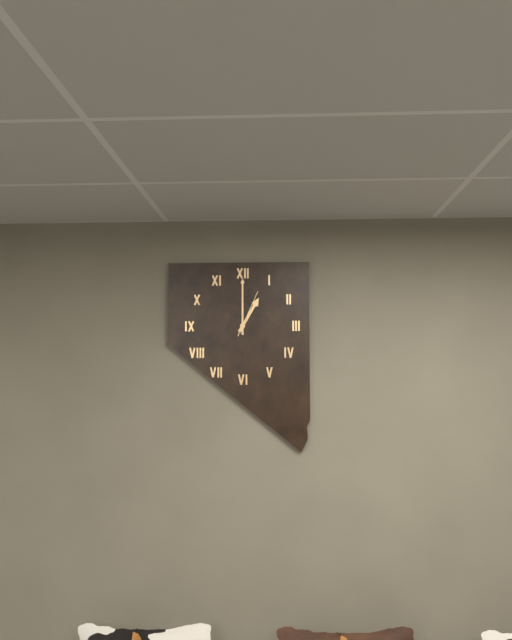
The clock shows 1:00
